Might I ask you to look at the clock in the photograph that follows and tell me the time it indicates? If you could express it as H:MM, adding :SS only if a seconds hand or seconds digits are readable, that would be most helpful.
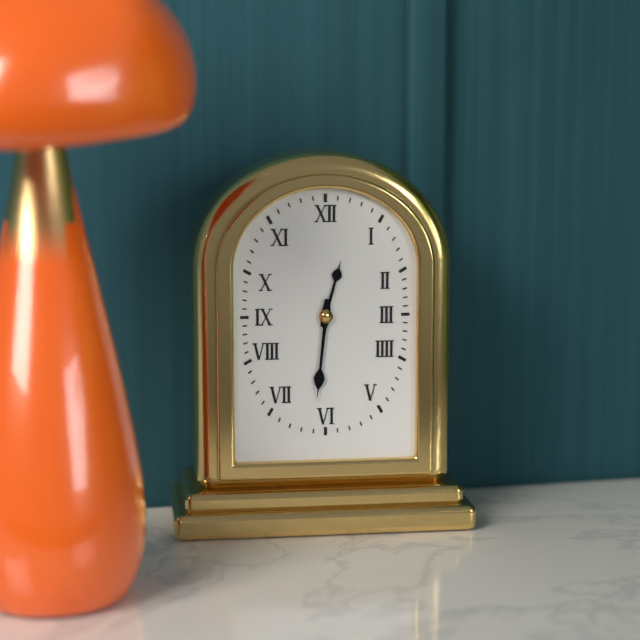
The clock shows 12:31
